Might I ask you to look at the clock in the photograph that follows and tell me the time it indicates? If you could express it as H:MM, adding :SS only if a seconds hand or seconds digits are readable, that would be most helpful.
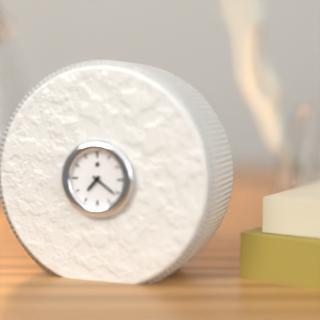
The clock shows 7:21
